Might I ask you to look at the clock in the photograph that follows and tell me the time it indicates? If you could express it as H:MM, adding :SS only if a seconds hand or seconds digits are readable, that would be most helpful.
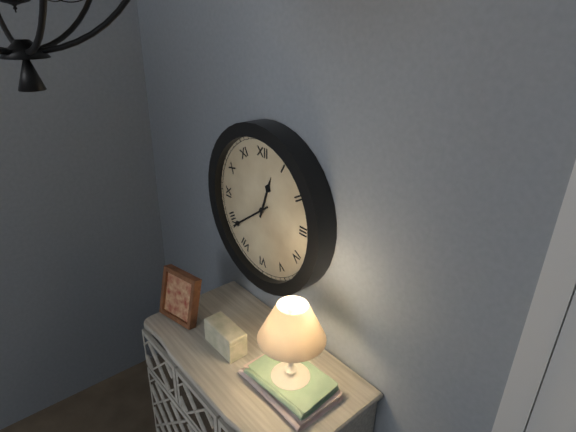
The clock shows 12:39
